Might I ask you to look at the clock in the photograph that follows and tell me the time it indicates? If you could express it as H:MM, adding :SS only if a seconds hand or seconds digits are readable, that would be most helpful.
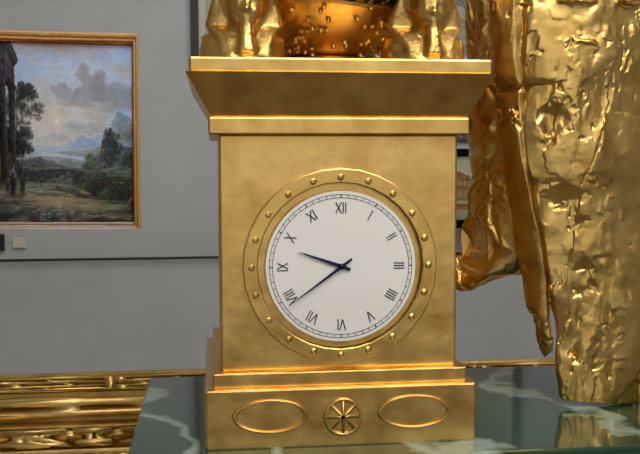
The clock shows 9:39
